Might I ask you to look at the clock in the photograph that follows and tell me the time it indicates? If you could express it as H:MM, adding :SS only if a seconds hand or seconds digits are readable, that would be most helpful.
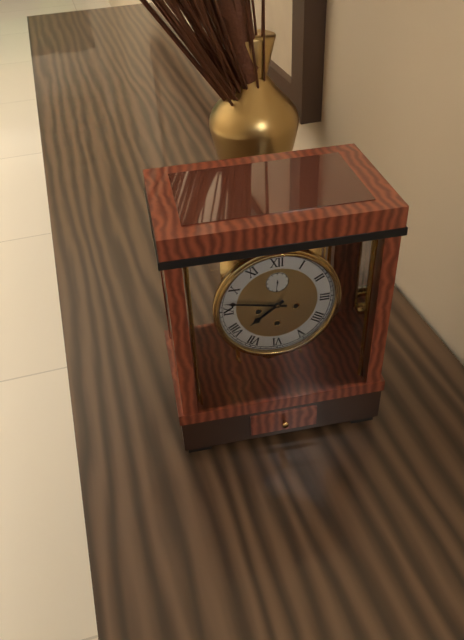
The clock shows 7:47
